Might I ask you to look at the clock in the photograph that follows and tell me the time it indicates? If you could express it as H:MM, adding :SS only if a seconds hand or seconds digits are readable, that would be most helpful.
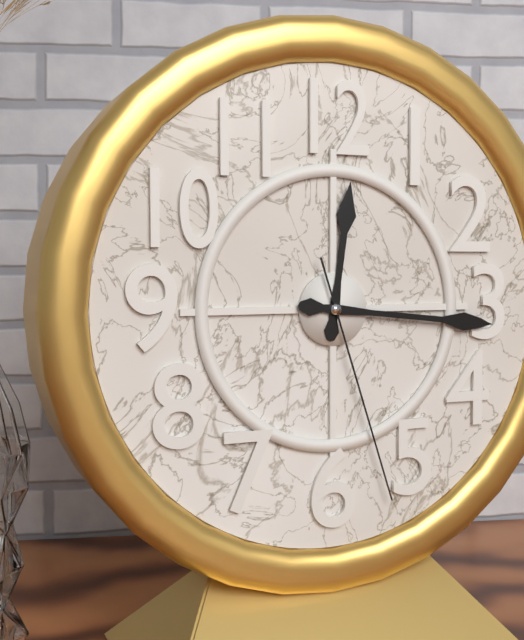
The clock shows 12:16:27
